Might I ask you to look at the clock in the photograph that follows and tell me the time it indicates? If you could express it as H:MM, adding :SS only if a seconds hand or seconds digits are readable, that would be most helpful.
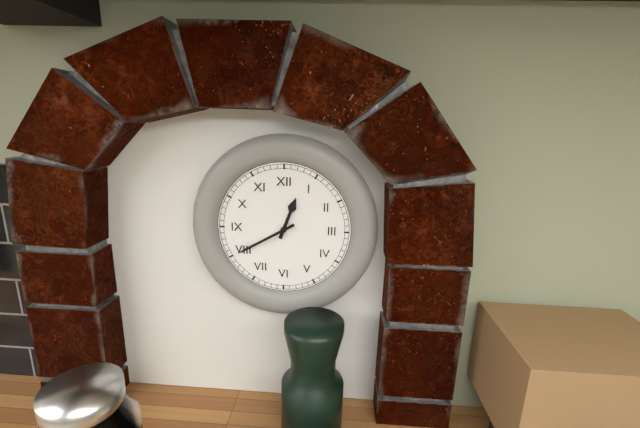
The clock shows 12:40
